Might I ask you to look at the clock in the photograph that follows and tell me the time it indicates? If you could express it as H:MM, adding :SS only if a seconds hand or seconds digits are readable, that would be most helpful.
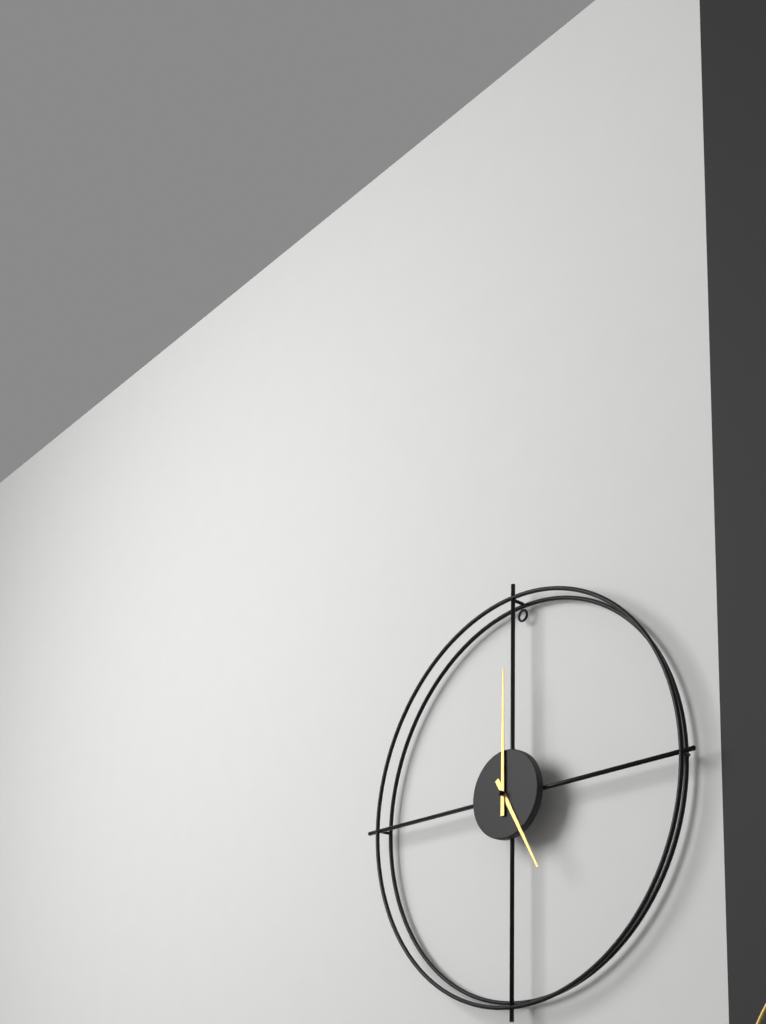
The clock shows 5:00
